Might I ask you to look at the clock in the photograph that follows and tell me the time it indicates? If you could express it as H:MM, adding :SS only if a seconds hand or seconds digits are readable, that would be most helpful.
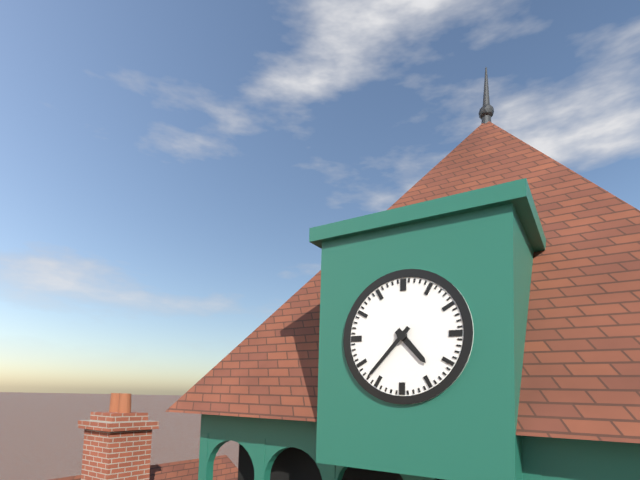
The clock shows 4:37
